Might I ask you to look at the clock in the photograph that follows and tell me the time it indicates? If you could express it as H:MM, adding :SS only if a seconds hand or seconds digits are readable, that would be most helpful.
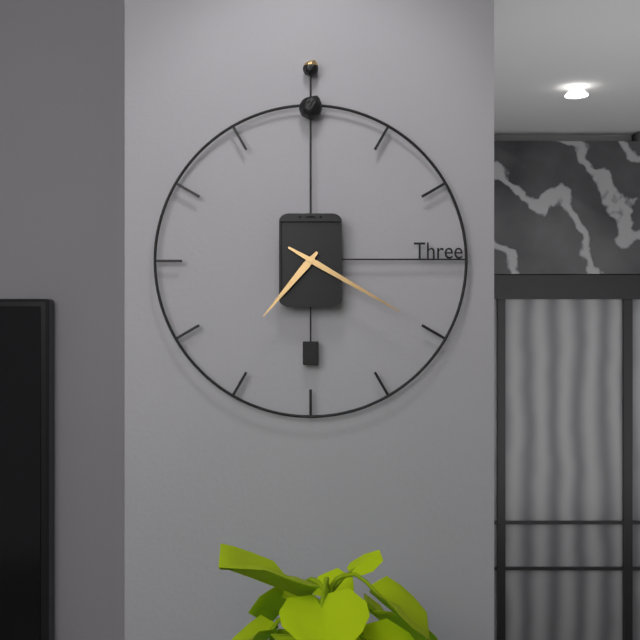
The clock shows 7:20
